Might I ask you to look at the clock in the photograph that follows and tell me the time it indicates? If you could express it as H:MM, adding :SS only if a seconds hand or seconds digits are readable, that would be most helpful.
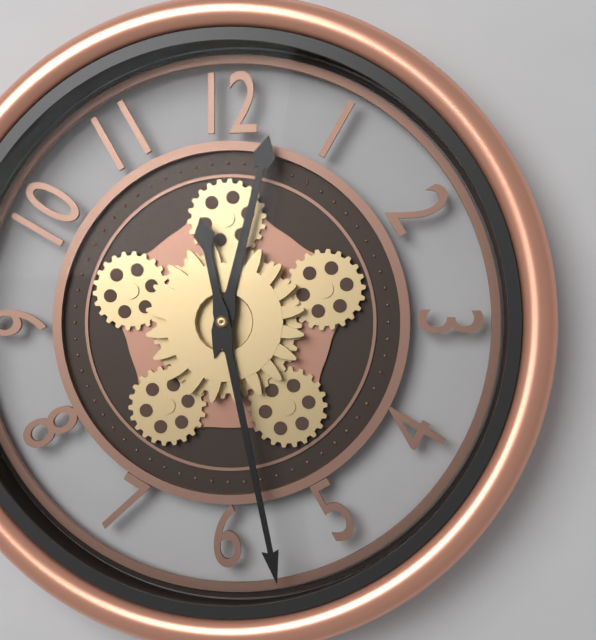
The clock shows 12:28
